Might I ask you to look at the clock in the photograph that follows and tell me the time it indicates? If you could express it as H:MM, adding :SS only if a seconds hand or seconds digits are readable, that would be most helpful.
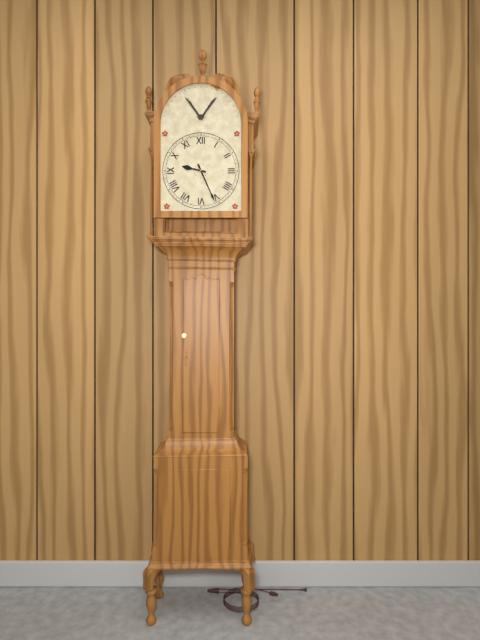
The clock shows 9:26
